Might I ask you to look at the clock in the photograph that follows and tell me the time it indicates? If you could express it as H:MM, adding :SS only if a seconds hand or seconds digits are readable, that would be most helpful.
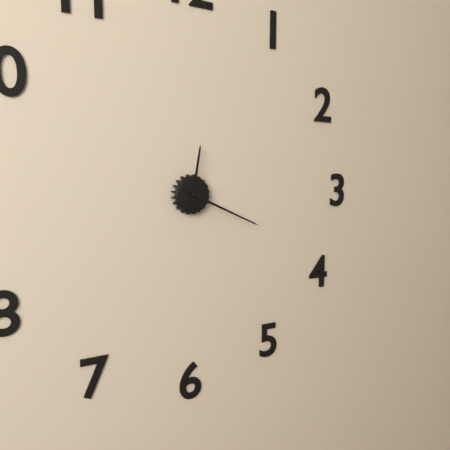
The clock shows 12:19
